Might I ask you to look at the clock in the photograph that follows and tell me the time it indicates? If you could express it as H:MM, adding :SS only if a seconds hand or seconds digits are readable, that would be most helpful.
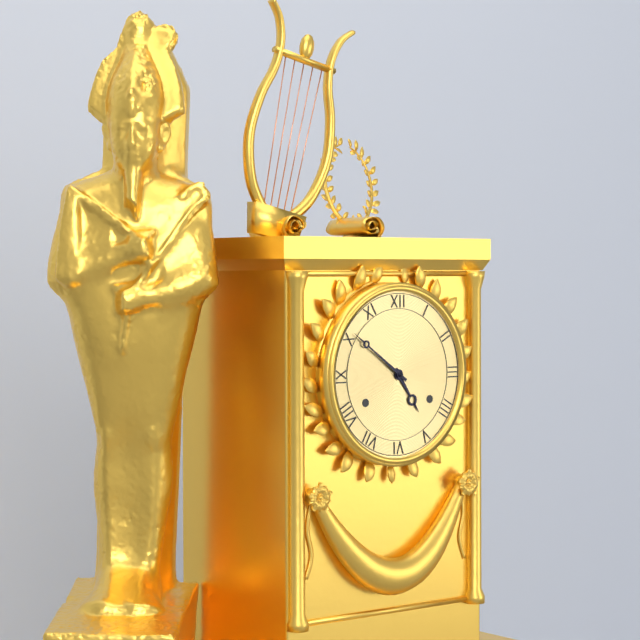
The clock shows 4:51
